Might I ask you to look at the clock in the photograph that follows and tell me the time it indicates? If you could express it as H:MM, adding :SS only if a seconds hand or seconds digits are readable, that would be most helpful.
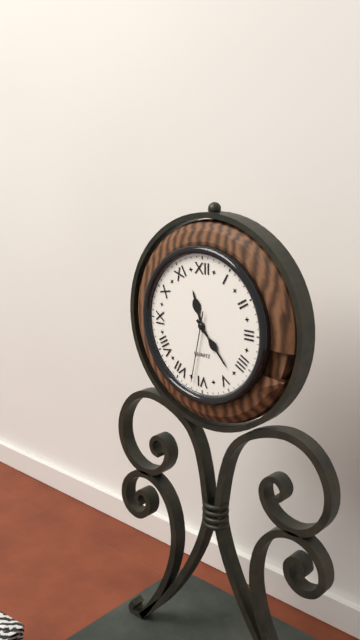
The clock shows 11:23:32
